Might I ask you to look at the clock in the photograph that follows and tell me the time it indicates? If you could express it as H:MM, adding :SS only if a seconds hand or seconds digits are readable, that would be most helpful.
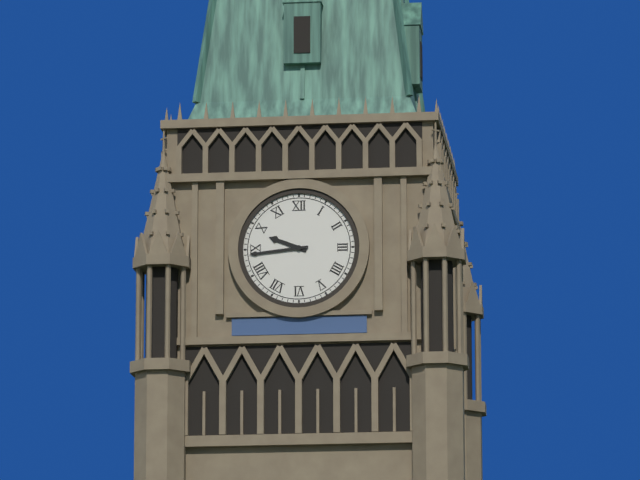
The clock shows 9:44
